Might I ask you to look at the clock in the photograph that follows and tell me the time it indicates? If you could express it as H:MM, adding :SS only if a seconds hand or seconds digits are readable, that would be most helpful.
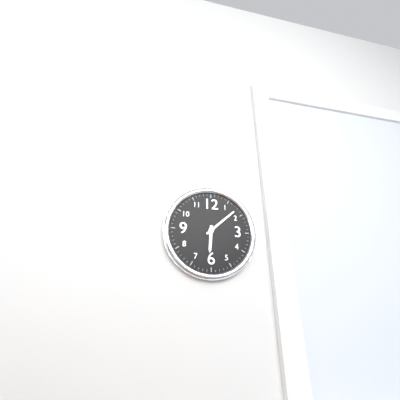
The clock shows 6:08
